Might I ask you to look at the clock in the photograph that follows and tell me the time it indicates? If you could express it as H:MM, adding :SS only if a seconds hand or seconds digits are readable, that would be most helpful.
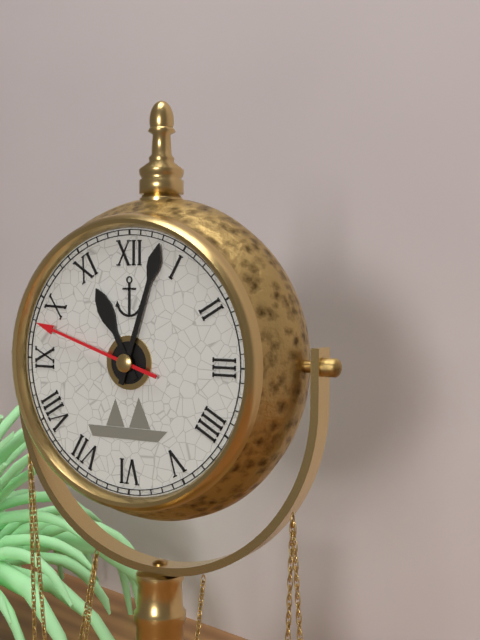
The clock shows 11:03:48
